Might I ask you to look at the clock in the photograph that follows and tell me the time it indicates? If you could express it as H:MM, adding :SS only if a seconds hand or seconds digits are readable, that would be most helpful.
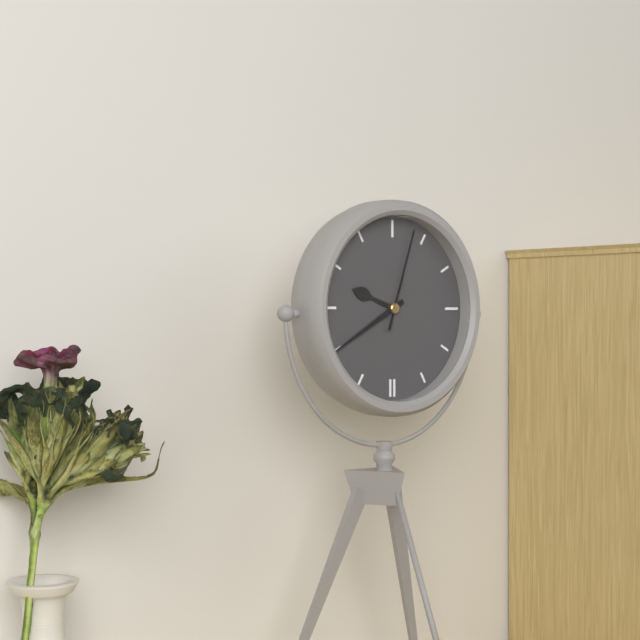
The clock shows 9:40:03
